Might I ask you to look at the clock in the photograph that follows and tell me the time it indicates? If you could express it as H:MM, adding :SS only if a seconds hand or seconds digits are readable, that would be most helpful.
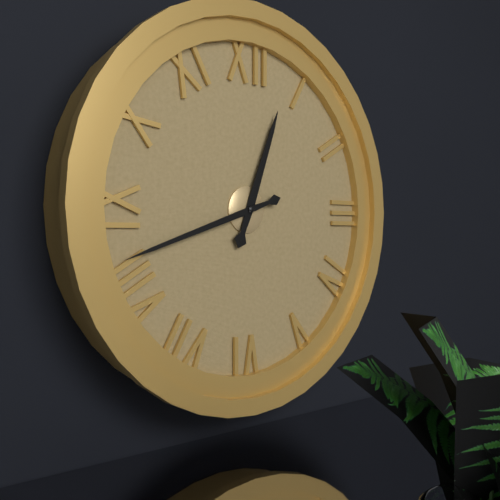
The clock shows 12:42
